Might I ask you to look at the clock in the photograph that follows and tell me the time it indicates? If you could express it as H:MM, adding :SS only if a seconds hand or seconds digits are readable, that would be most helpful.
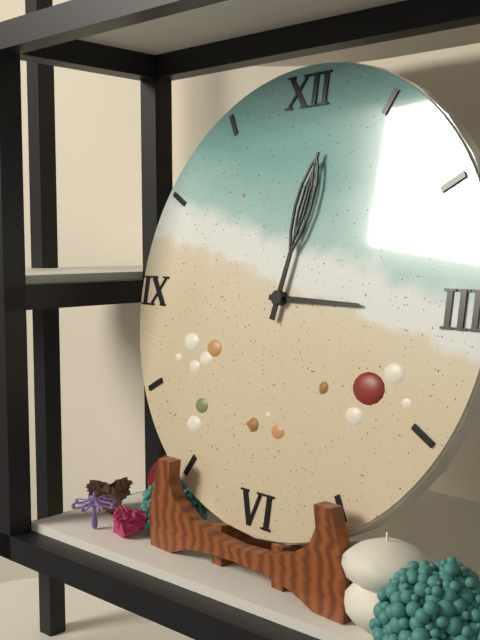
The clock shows 3:02
